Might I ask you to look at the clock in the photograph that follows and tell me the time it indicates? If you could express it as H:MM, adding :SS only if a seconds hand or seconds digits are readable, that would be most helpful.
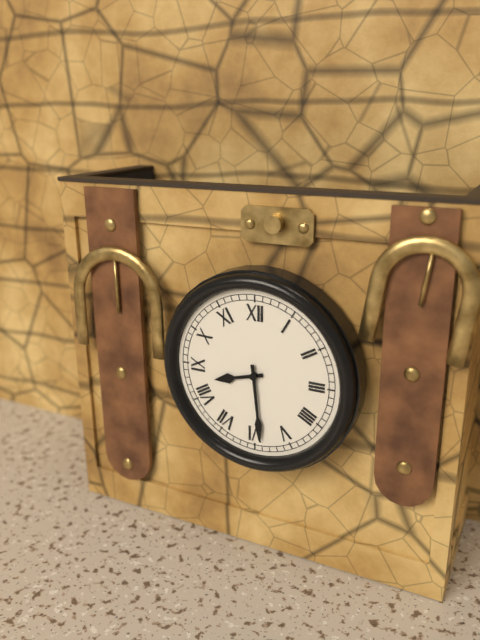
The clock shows 8:29
